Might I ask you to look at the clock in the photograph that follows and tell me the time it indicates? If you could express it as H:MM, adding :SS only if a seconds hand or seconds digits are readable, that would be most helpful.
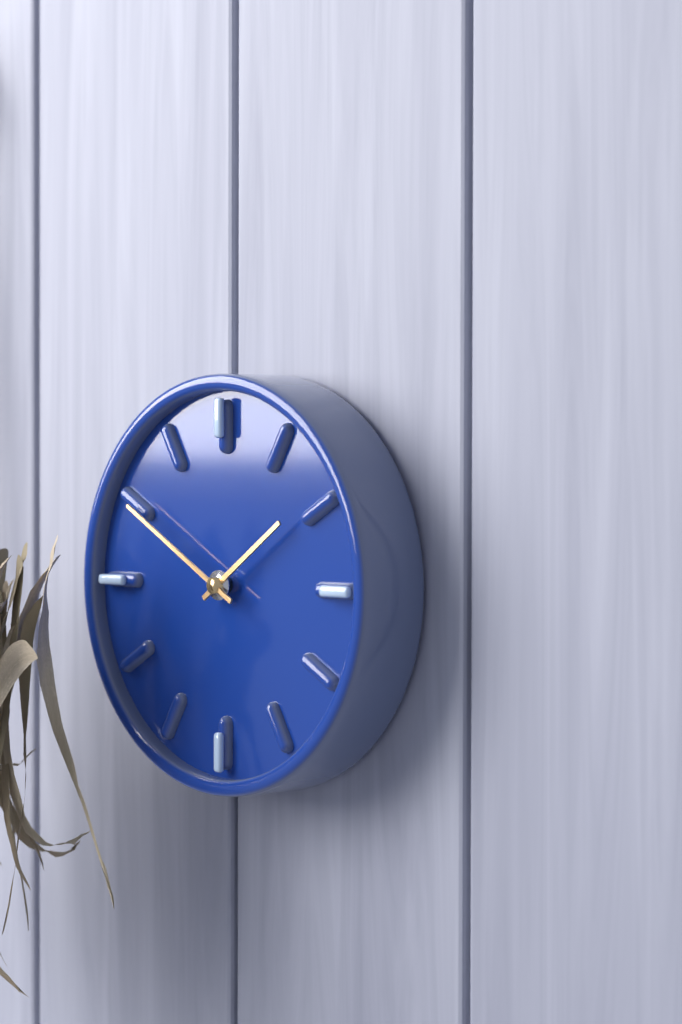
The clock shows 1:50
